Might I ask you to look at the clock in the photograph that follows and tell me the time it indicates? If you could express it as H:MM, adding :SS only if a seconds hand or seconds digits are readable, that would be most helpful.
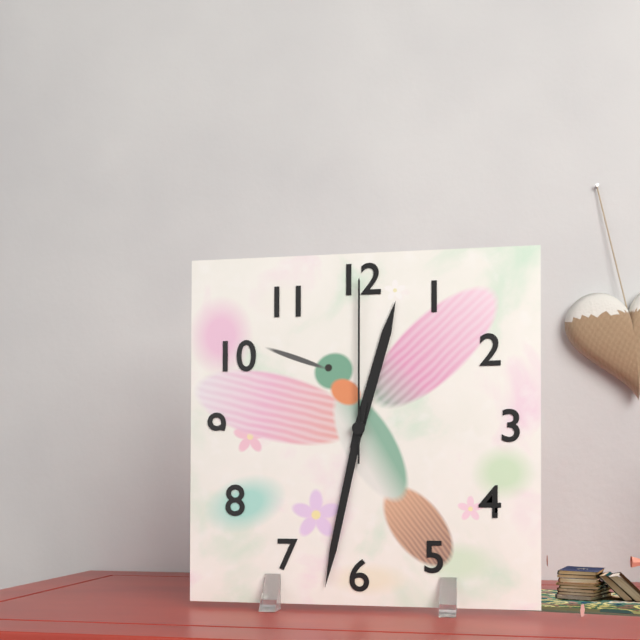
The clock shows 12:32:00
